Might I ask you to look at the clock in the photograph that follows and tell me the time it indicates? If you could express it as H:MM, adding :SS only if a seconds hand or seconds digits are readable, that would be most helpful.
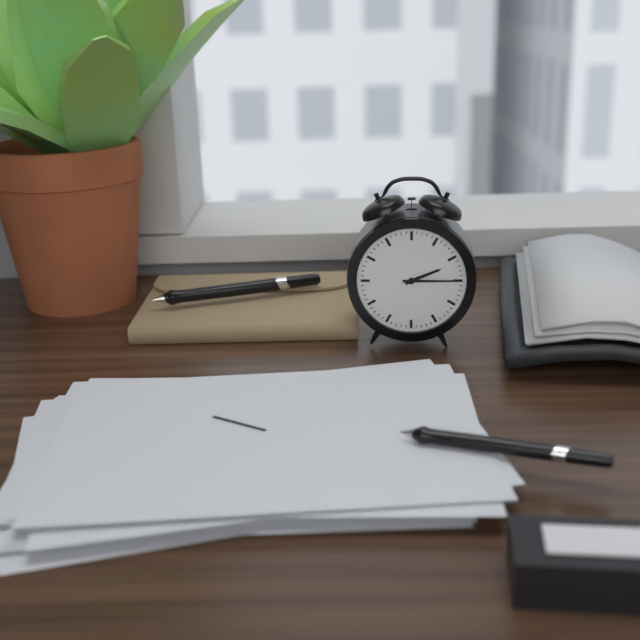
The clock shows 2:15
